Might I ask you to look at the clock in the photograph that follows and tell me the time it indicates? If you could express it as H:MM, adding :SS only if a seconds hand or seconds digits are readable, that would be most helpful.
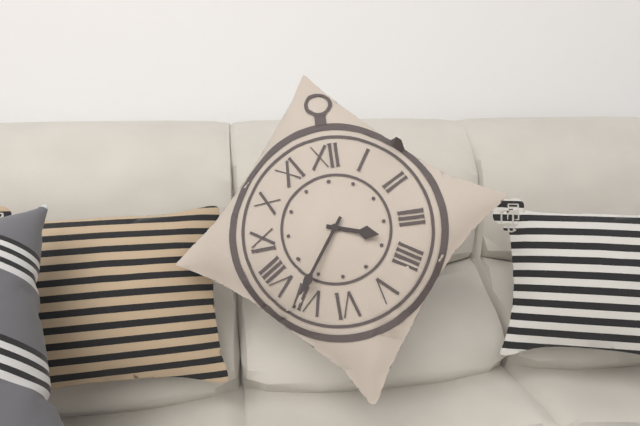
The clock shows 3:36
